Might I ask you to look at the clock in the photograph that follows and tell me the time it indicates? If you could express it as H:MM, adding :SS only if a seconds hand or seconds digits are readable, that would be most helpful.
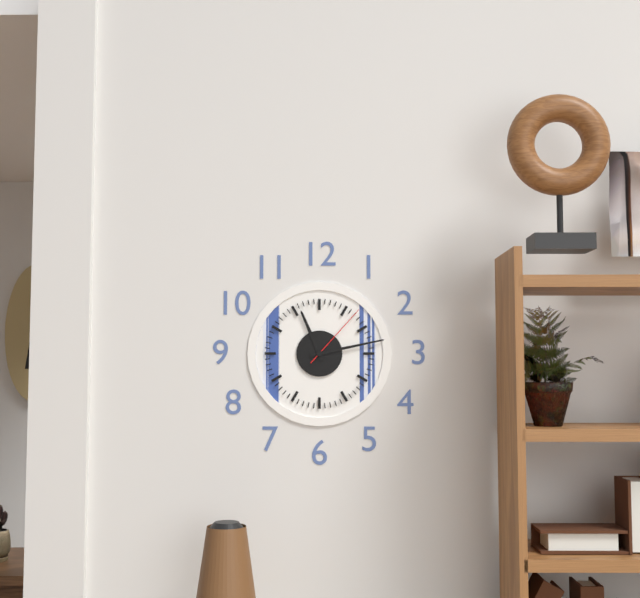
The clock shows 11:13:07
